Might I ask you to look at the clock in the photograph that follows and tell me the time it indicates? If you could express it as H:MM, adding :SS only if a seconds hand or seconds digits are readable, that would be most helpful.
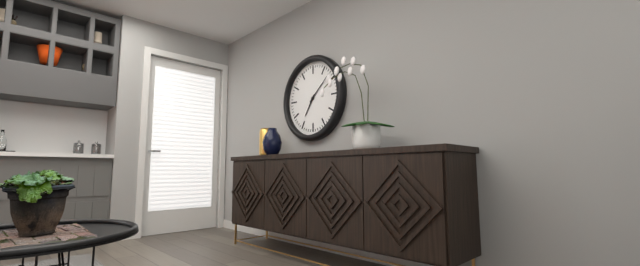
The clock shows 7:08
